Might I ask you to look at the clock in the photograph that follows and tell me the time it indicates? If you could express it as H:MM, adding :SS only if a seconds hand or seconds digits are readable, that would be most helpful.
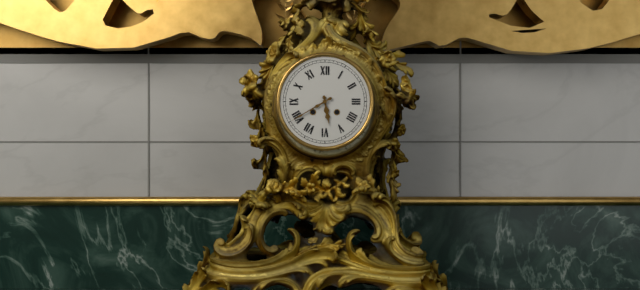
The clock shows 5:40
